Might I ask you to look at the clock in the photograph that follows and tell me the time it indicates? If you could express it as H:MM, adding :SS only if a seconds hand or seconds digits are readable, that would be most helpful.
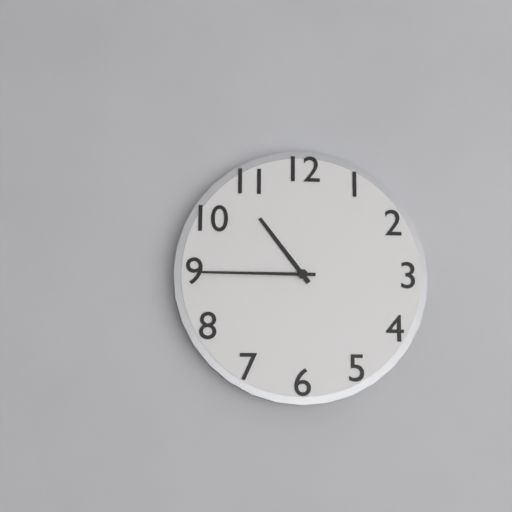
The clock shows 10:45
